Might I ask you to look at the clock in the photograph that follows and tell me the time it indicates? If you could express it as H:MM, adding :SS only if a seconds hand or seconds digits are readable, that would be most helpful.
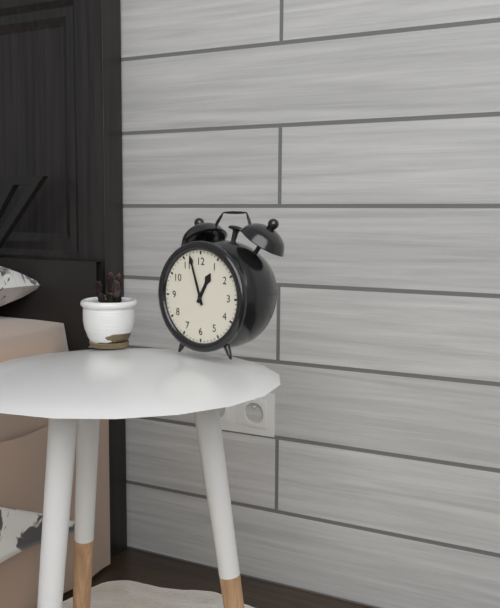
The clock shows 12:57
